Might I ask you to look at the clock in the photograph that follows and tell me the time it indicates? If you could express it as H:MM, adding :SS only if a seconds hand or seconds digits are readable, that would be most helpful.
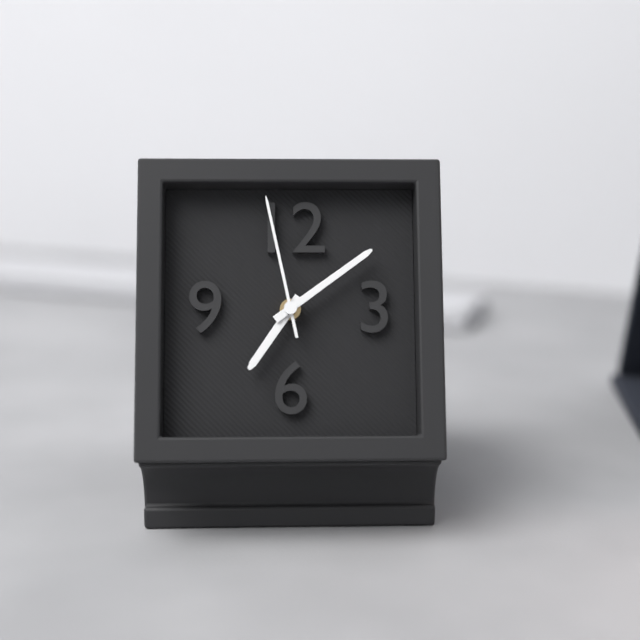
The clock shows 7:09:58
